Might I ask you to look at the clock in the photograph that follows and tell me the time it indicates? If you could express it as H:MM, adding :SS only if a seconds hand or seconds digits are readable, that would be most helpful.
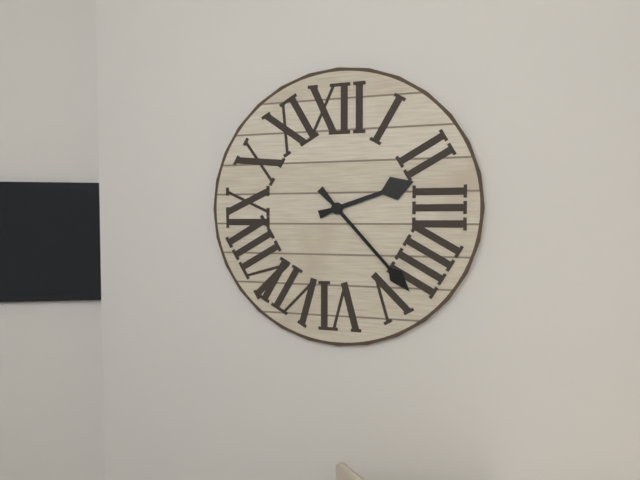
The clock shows 2:23
